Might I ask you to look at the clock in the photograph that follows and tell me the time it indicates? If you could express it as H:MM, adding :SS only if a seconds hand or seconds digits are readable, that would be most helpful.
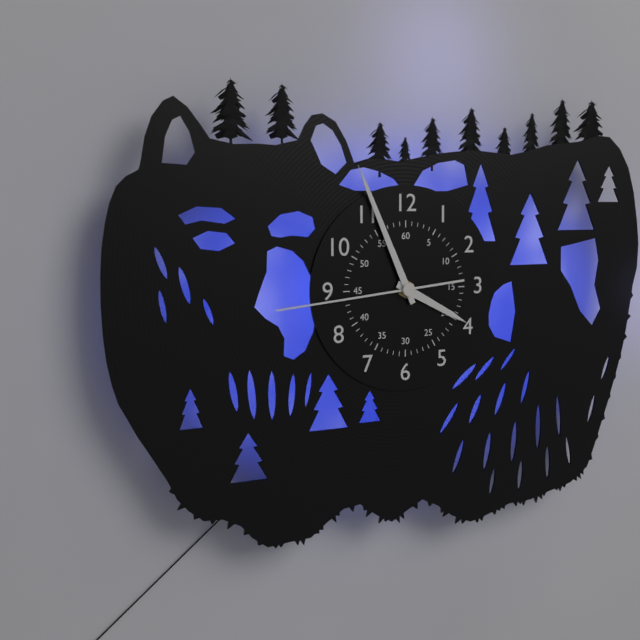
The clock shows 3:56:44
